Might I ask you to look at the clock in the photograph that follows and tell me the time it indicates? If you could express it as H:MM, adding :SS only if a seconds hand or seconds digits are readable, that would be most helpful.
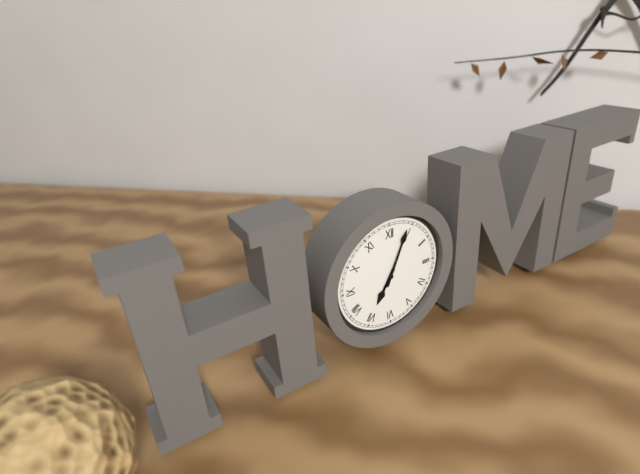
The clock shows 7:04
